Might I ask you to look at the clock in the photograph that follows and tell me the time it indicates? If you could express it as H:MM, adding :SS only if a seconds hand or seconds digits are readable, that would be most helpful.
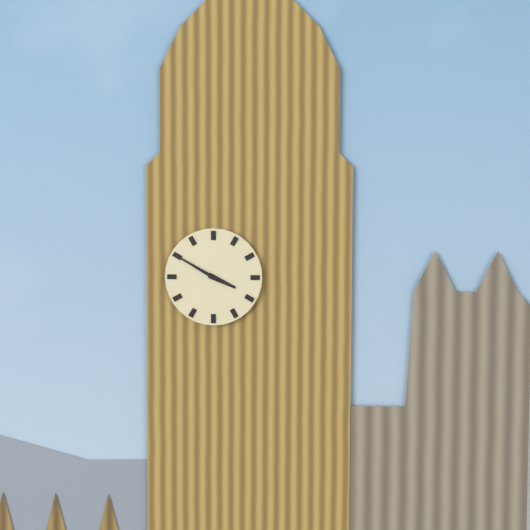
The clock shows 3:50
